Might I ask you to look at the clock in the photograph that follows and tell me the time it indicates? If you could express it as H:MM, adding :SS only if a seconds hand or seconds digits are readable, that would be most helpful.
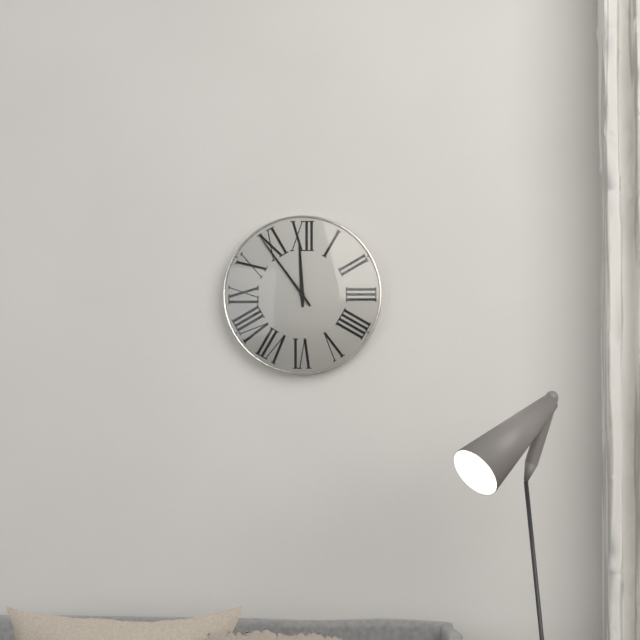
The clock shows 11:54
